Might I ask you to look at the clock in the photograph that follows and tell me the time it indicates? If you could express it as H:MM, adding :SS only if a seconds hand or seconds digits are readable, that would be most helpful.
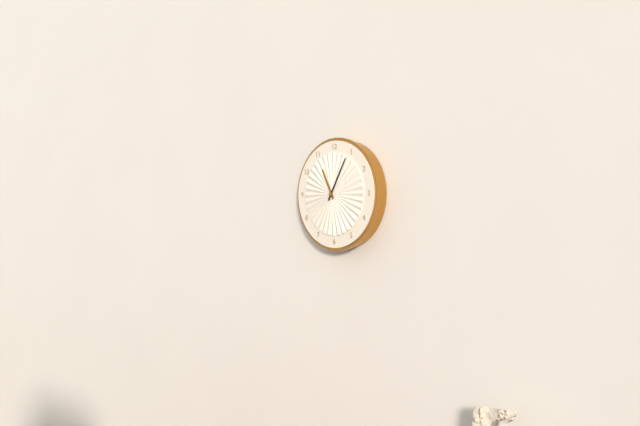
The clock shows 11:05
